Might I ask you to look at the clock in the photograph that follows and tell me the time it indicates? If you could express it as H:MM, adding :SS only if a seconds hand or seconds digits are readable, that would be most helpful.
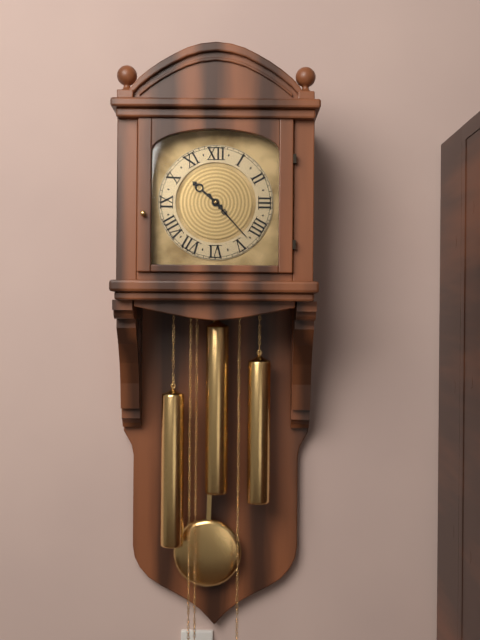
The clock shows 10:23
